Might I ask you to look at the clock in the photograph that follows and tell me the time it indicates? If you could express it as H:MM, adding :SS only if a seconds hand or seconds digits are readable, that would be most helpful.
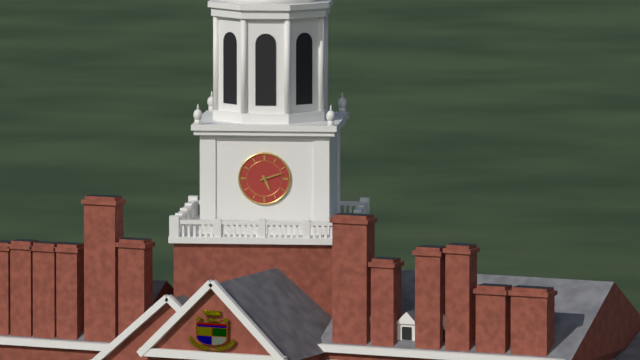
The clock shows 5:12
